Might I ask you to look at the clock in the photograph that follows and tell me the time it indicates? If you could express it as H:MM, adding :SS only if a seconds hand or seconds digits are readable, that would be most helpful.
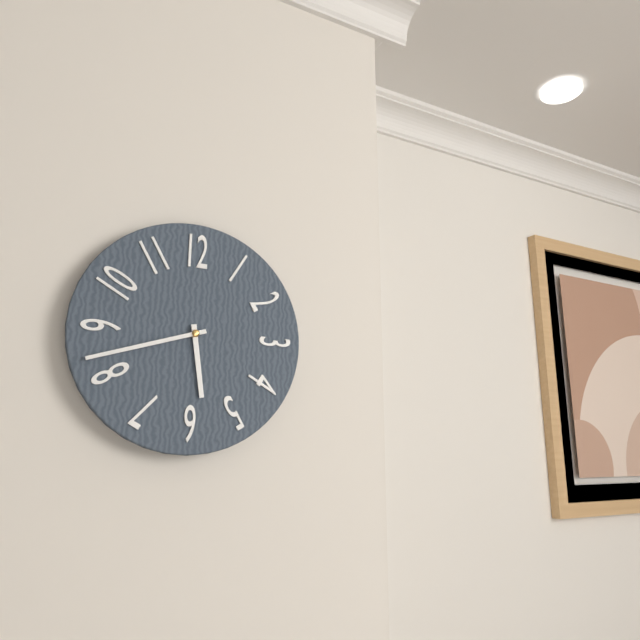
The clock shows 5:42
